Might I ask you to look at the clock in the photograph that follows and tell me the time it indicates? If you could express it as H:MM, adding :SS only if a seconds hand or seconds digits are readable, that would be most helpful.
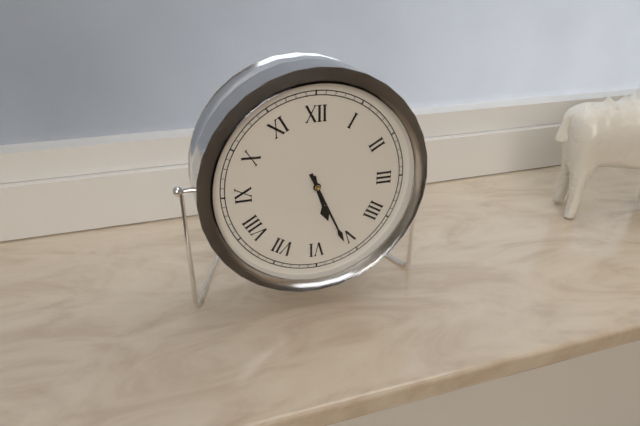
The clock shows 5:26
